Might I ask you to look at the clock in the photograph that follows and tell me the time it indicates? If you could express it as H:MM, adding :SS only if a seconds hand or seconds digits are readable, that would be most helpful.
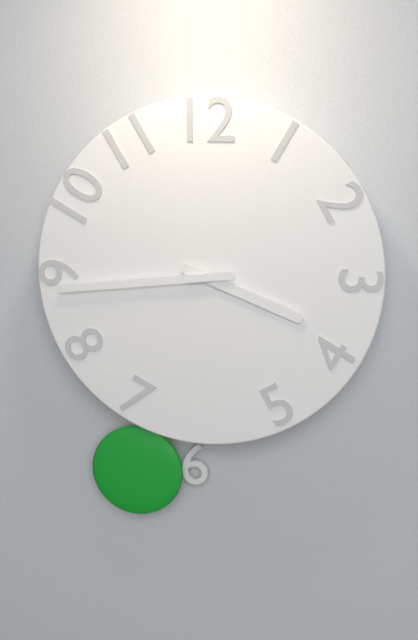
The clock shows 3:44
